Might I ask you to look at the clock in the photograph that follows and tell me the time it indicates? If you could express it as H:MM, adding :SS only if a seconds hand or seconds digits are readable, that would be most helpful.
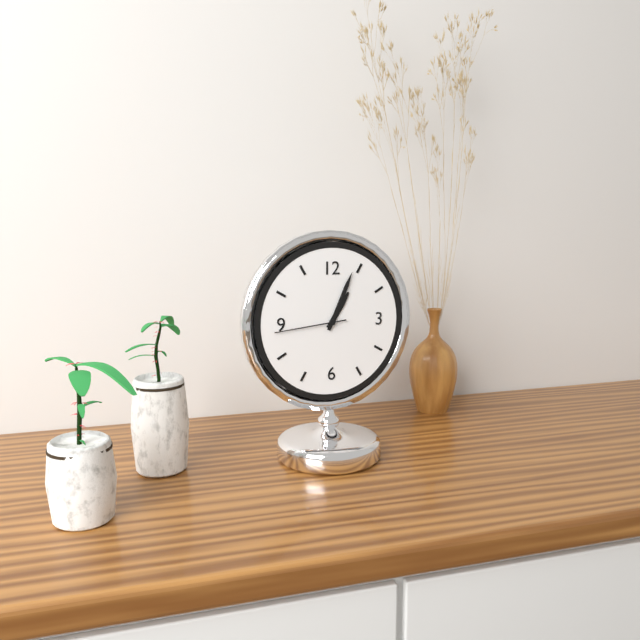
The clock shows 1:04:44
